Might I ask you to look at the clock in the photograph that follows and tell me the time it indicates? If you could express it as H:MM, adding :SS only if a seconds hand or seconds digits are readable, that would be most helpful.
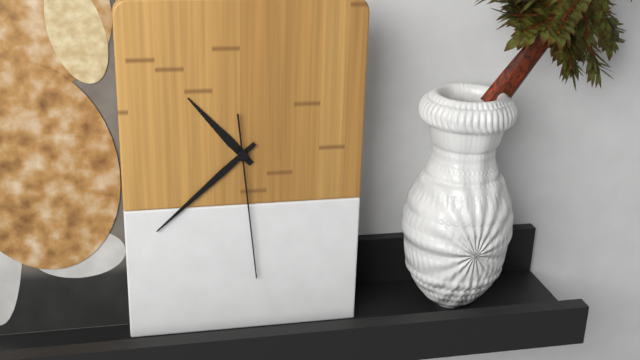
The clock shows 10:38:29
